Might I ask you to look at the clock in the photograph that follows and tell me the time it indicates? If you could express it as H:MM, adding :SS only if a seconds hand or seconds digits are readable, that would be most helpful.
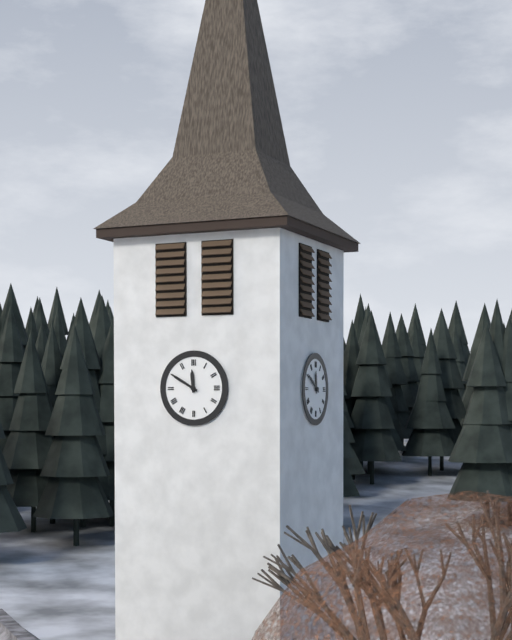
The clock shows 11:50
